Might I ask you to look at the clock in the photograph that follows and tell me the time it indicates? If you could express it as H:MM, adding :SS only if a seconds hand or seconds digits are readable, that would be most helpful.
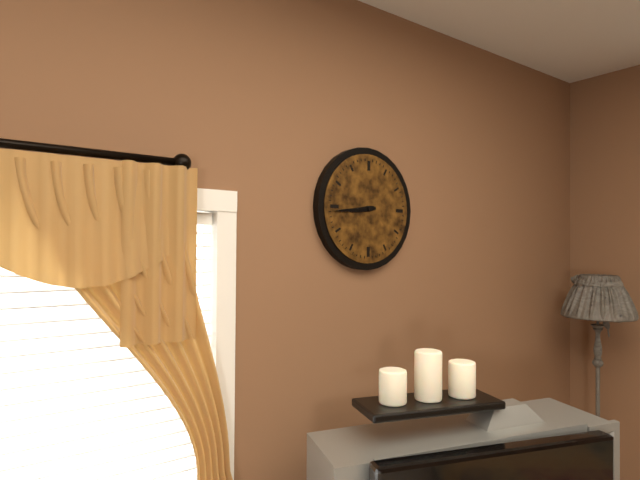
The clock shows 8:44
